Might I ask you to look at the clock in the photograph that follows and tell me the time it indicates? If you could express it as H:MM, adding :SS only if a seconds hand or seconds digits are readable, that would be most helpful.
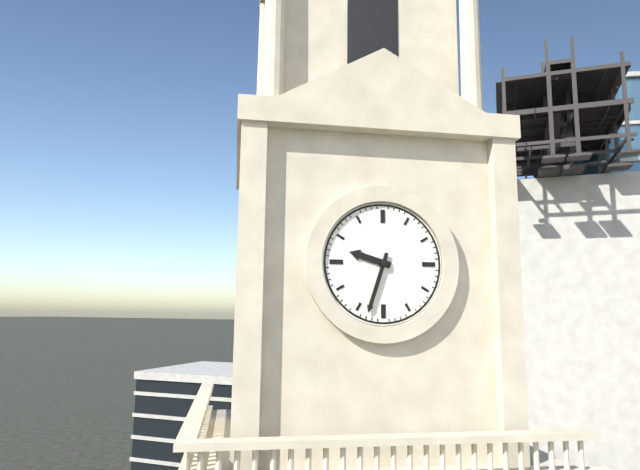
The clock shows 9:33
